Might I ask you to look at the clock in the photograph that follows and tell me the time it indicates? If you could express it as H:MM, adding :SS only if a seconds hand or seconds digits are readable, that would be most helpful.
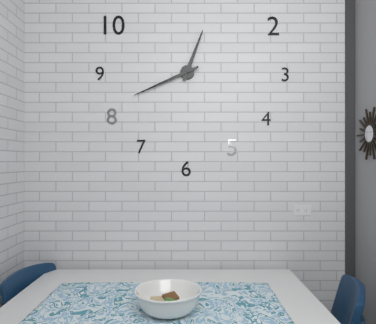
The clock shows 12:41
